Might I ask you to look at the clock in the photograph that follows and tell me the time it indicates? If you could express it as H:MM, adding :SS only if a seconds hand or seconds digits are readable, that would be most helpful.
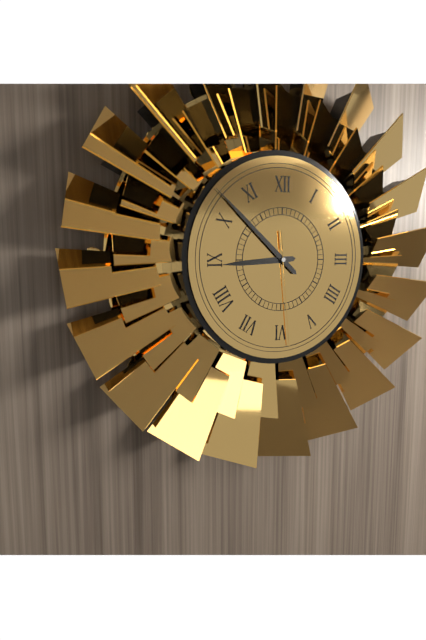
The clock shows 8:52:29
